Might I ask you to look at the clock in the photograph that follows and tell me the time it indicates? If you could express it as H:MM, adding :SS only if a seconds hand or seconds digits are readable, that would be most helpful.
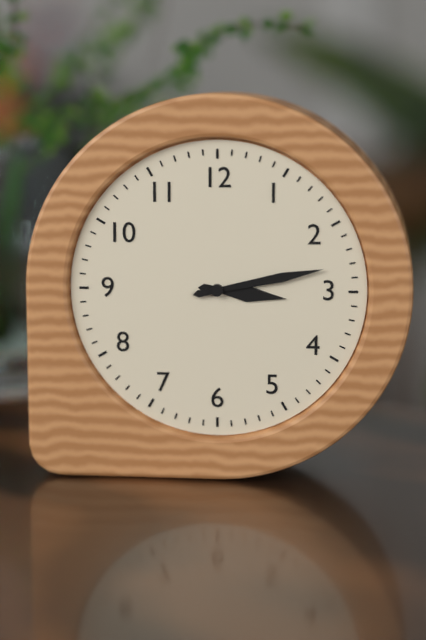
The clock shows 3:13
